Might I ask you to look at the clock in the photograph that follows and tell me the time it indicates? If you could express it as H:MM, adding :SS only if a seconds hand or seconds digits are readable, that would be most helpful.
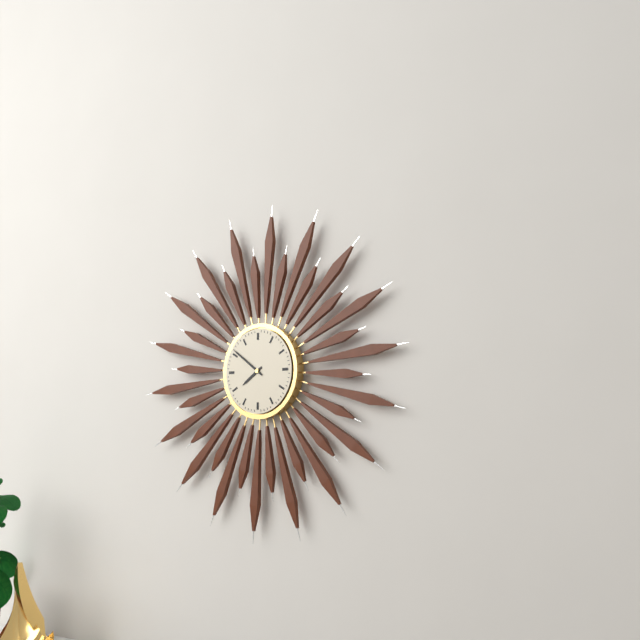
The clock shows 7:51
